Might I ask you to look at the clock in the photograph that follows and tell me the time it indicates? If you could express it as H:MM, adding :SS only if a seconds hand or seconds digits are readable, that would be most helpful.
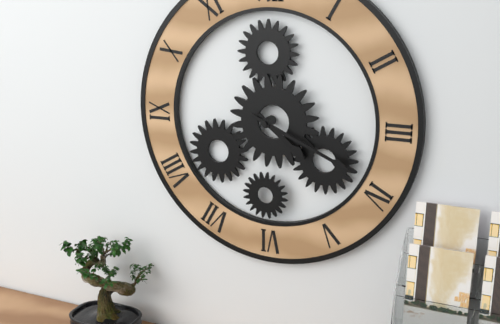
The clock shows 4:19
